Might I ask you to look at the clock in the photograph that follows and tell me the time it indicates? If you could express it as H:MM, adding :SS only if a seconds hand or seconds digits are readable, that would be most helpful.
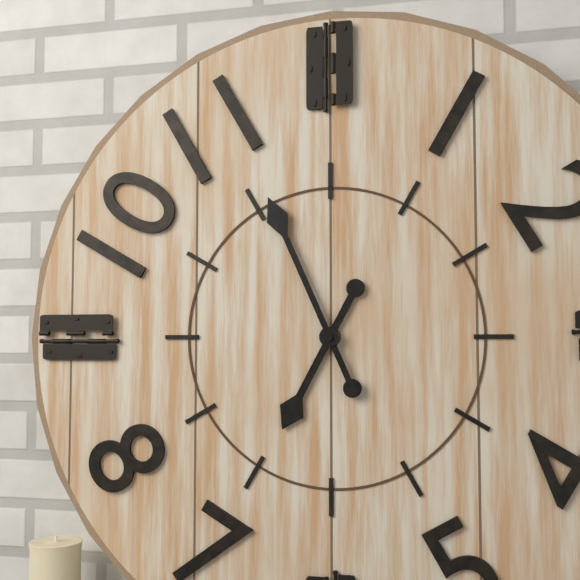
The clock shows 6:56
